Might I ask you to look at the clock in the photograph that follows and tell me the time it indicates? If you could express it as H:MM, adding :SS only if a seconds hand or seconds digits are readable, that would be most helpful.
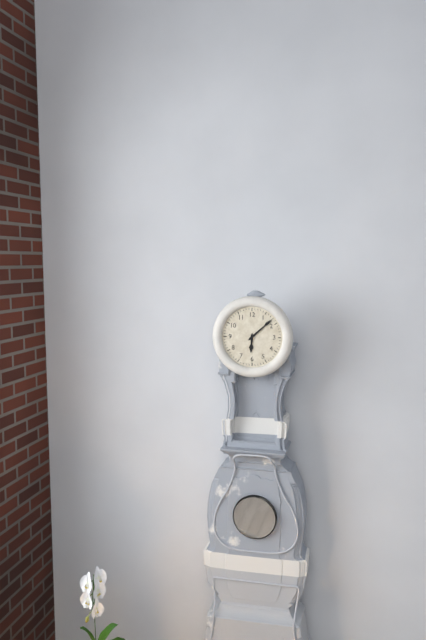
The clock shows 6:08
